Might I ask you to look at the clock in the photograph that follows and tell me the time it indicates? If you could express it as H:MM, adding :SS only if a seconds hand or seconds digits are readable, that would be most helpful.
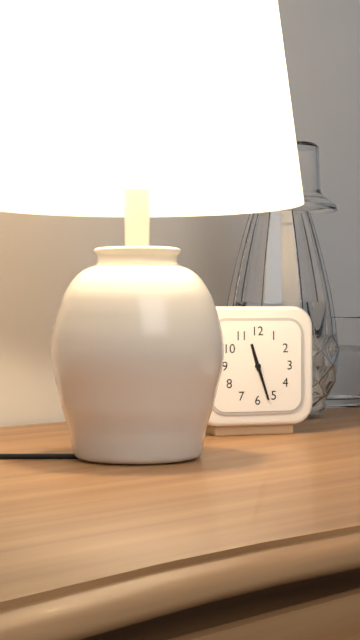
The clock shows 11:27
